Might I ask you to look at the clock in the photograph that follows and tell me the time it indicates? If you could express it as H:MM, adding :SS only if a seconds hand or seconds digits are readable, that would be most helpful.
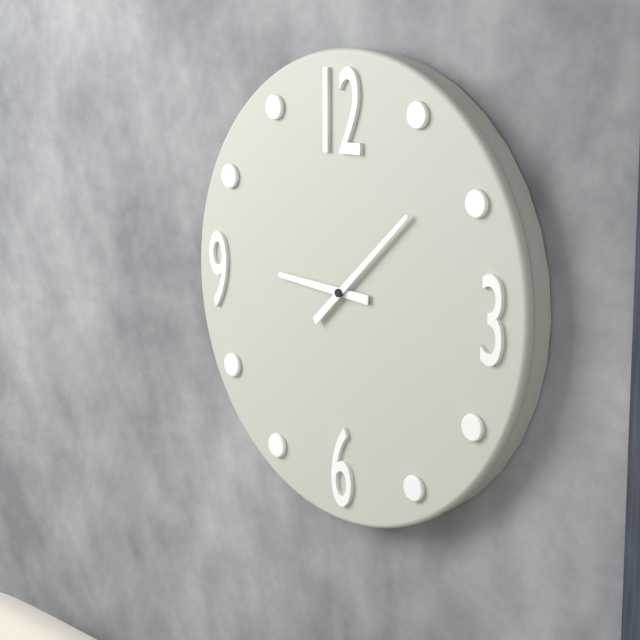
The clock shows 9:08
